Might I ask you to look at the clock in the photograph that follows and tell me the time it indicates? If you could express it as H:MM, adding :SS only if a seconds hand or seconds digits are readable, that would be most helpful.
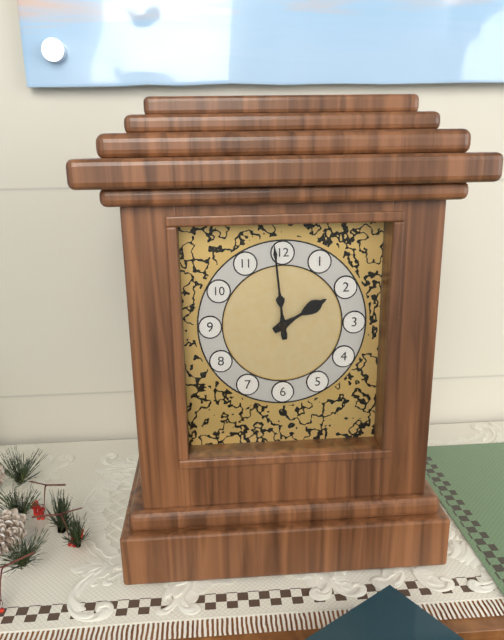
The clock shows 1:59
